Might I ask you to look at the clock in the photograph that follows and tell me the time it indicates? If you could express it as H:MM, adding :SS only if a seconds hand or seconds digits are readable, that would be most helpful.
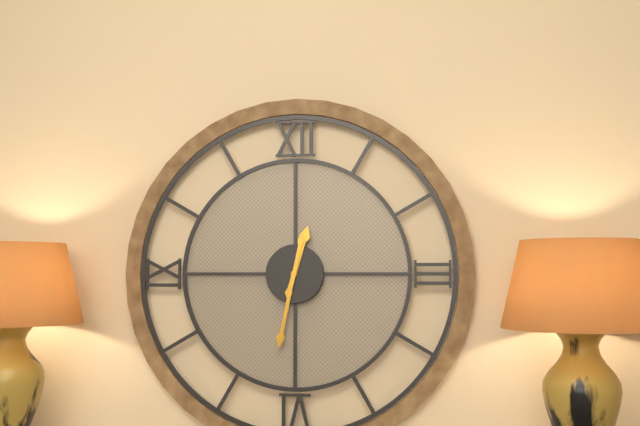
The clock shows 12:32
